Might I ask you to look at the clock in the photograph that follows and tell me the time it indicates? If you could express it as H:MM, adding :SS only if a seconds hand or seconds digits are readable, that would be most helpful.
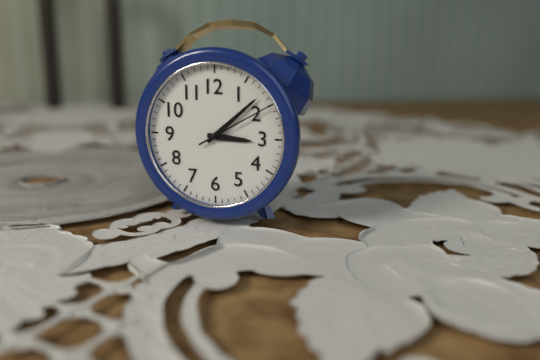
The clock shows 3:08:10
